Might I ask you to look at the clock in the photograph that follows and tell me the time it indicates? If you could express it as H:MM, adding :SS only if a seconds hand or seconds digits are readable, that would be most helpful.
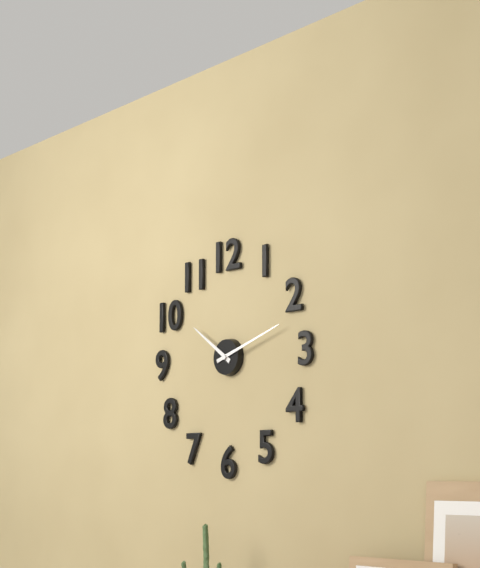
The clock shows 10:12
